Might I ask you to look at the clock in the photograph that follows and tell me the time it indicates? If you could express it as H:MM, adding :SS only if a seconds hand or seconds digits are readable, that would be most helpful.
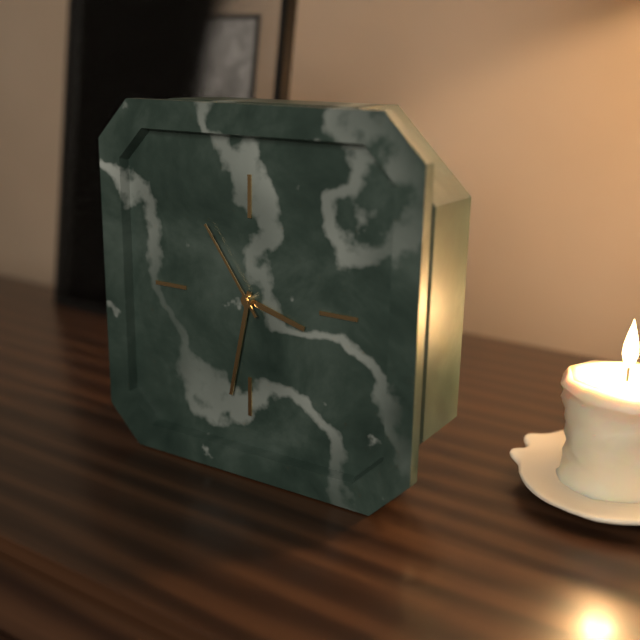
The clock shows 3:32:54
